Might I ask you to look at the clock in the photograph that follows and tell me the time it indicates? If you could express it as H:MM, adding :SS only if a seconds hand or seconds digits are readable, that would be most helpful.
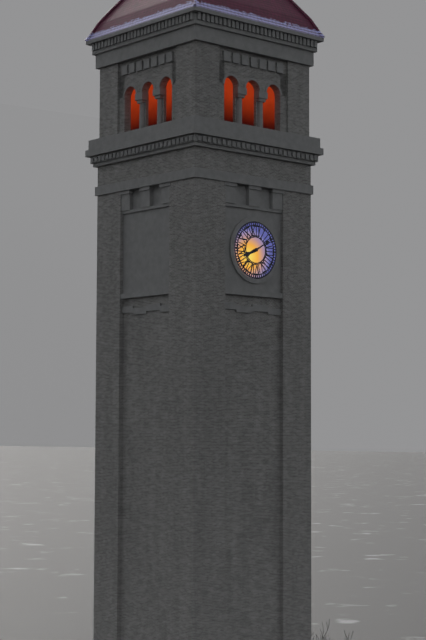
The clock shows 8:10
